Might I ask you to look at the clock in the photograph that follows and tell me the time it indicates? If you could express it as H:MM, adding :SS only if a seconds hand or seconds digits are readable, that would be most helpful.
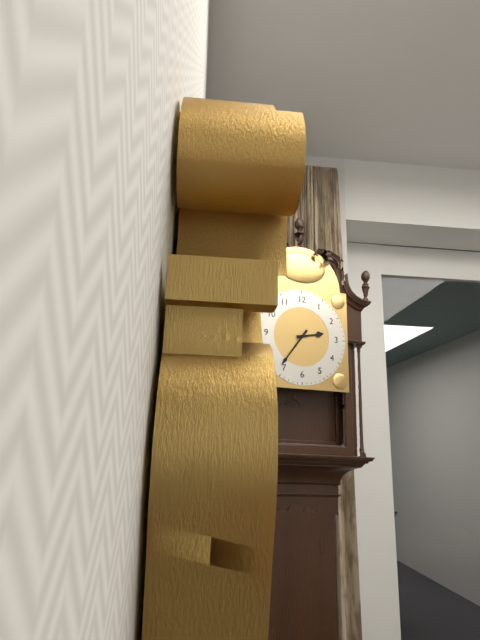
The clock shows 2:36
